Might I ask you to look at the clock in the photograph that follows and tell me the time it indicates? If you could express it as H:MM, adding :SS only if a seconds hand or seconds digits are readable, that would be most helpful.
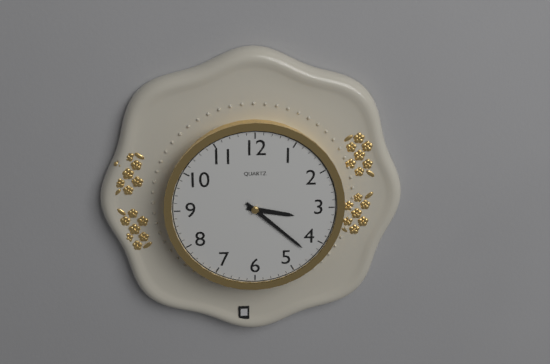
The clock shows 3:22
